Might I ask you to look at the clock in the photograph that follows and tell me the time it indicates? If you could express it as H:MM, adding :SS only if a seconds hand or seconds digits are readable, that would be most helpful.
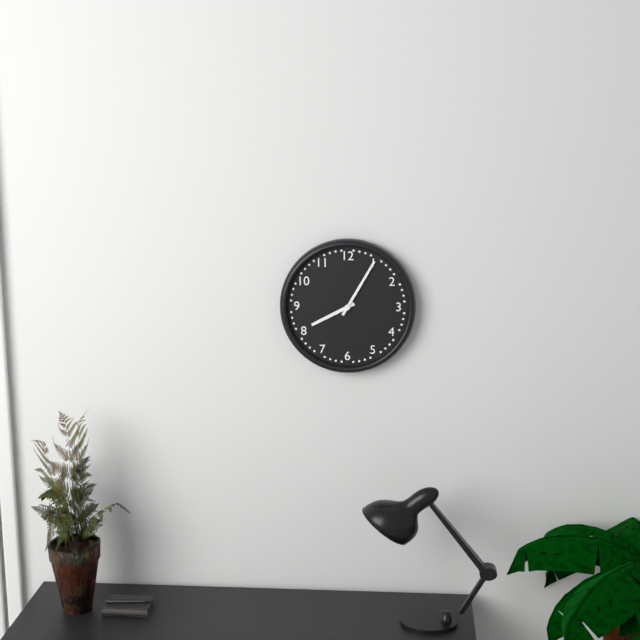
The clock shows 8:05
